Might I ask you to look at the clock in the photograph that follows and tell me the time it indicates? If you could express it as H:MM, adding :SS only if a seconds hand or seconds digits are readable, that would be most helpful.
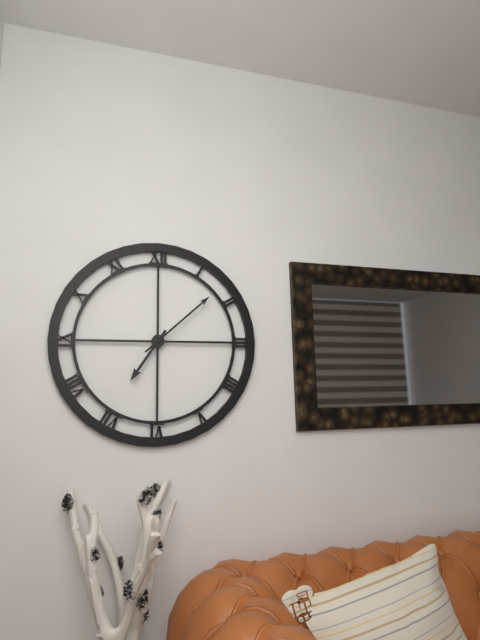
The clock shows 7:08
